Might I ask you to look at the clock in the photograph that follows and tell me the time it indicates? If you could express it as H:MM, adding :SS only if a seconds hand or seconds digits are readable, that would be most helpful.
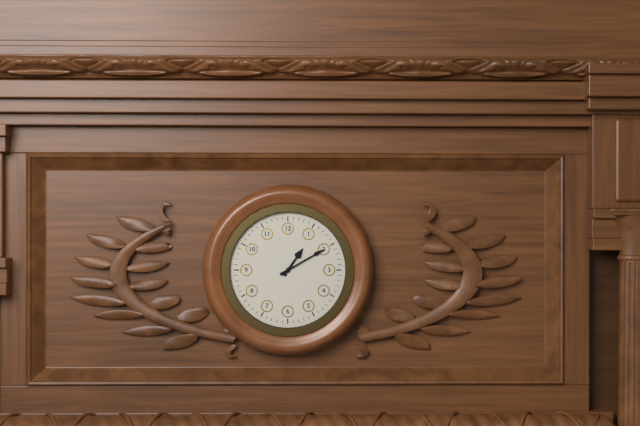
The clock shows 1:10
